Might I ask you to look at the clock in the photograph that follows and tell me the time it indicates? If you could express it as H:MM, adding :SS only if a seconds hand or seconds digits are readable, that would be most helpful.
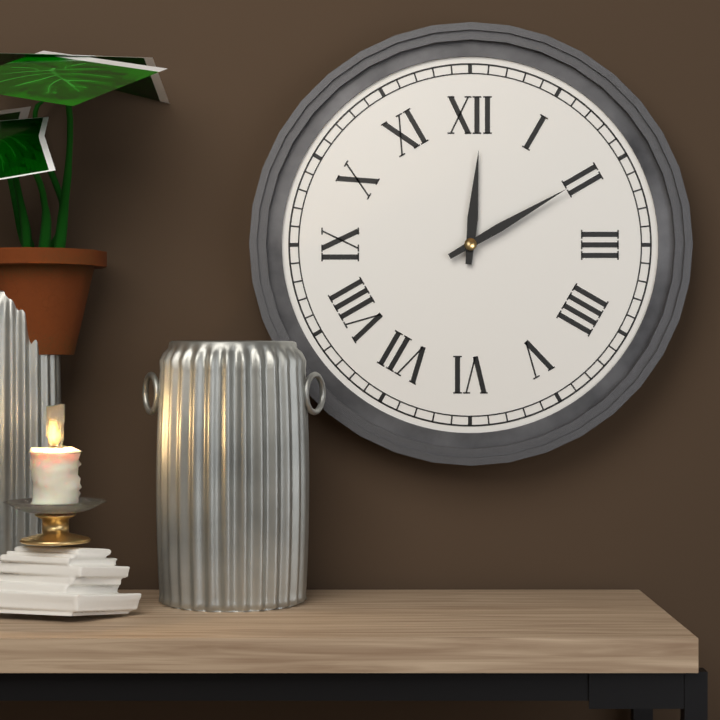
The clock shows 12:10
